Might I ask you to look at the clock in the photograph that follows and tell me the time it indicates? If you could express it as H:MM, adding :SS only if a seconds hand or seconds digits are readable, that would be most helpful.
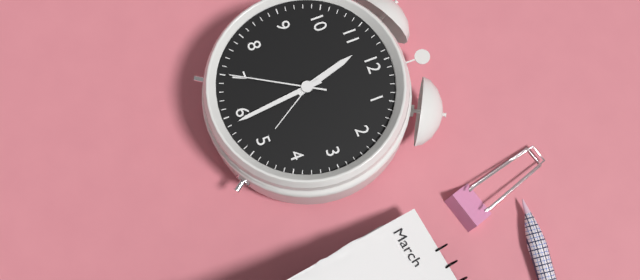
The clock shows 11:29:35
